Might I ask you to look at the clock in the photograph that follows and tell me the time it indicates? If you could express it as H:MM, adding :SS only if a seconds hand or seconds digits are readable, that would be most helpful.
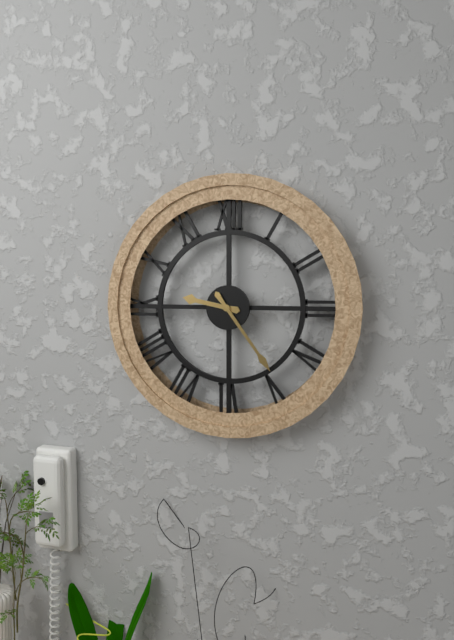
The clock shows 9:24
